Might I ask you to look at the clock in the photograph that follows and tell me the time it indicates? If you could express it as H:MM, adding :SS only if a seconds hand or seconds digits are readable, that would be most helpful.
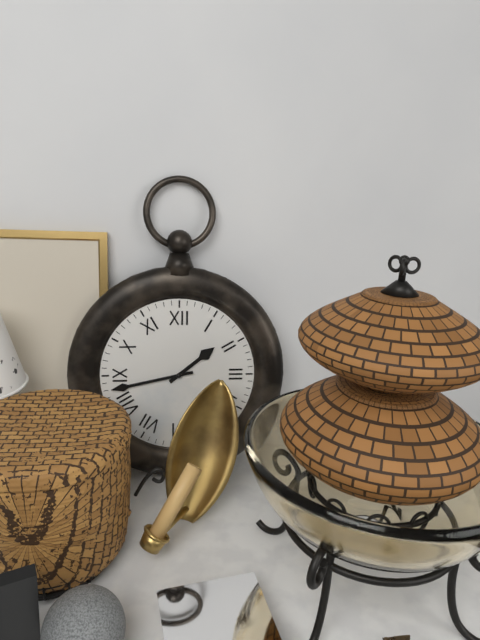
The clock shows 1:43
